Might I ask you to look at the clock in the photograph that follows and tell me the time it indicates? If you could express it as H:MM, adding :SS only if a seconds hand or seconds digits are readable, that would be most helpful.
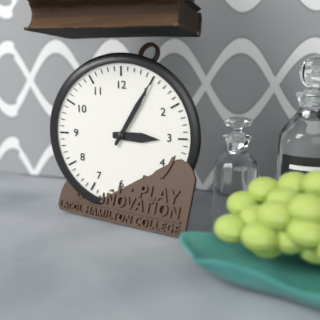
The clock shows 3:05
